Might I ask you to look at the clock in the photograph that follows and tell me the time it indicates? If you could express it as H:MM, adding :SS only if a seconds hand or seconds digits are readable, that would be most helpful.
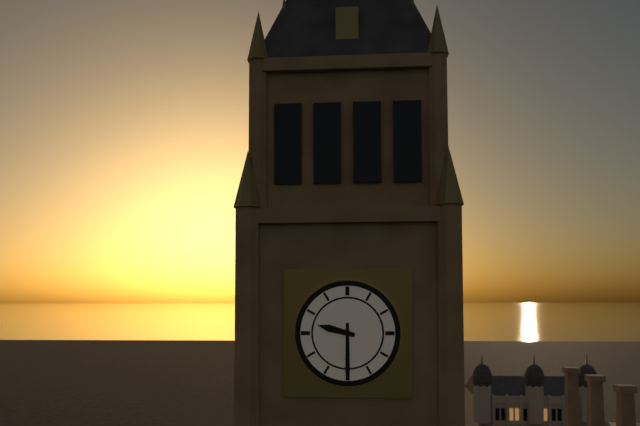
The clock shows 9:30
